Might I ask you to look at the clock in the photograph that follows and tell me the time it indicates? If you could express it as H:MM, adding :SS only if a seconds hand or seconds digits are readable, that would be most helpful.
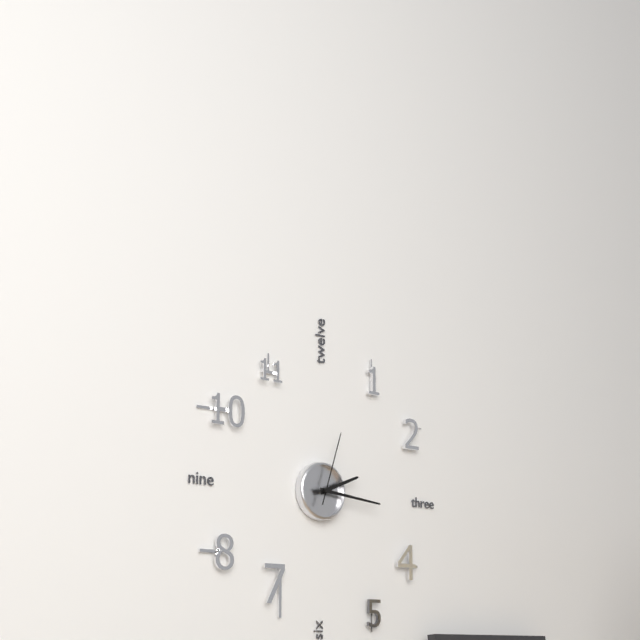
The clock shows 2:16:03
